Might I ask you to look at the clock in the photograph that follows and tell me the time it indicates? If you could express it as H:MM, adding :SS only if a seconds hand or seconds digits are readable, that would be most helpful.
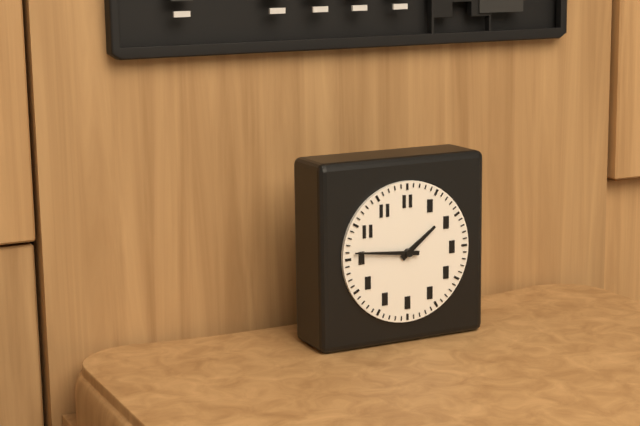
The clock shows 1:46
